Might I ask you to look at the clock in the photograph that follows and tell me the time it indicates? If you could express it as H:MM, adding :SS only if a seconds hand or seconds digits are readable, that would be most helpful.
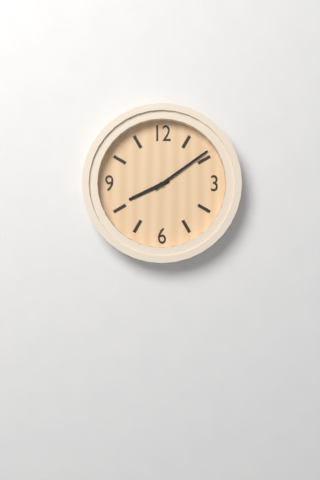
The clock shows 8:09
